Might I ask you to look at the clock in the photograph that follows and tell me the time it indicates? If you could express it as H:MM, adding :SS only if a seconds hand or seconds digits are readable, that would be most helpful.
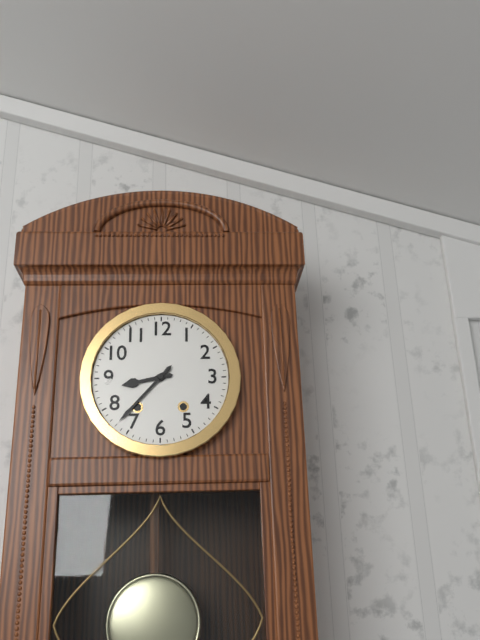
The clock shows 8:37
